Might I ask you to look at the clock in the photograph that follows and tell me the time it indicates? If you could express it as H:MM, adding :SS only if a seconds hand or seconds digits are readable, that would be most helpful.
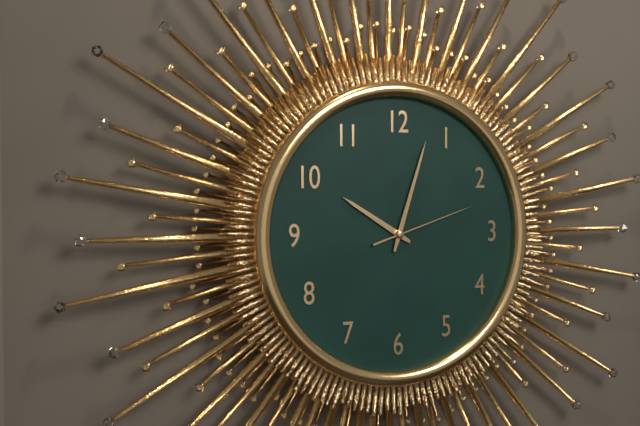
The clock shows 10:03:12
